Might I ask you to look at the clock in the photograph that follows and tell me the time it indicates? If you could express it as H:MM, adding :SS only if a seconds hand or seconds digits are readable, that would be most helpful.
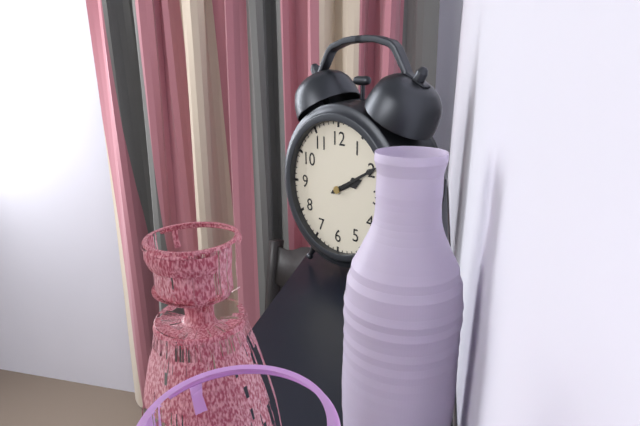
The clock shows 2:10
